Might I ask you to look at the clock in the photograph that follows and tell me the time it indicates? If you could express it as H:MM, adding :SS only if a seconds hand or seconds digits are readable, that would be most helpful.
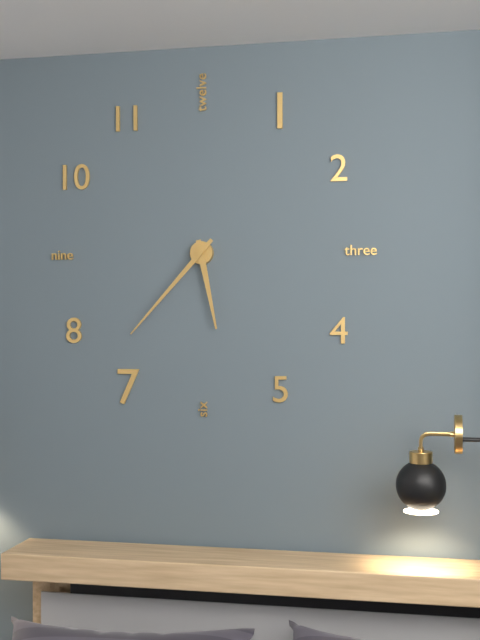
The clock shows 5:37
